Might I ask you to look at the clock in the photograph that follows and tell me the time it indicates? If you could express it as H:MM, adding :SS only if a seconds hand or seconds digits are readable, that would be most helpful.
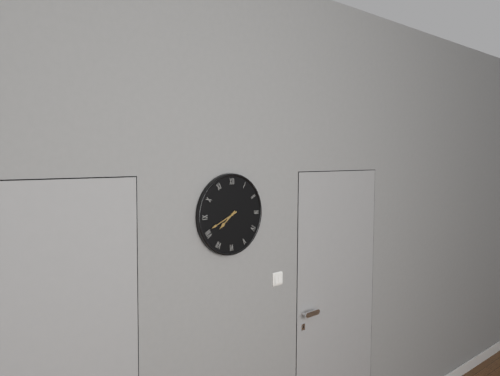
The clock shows 7:41
